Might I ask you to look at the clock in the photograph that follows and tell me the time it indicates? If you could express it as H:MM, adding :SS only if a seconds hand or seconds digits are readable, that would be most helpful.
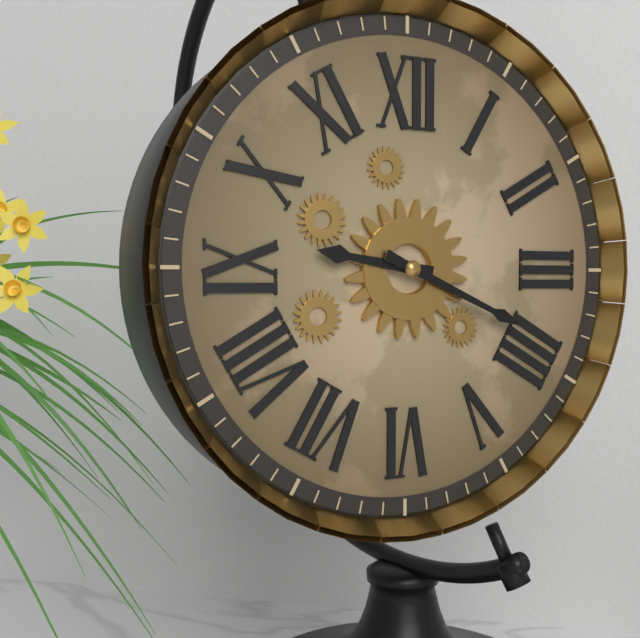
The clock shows 9:19
